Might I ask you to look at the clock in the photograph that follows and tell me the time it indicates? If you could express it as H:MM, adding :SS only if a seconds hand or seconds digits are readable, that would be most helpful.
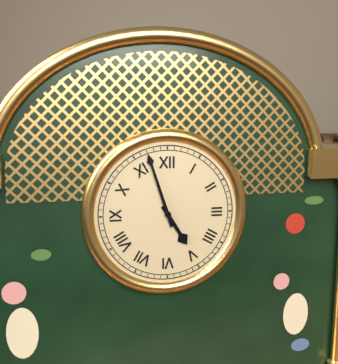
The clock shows 4:57
